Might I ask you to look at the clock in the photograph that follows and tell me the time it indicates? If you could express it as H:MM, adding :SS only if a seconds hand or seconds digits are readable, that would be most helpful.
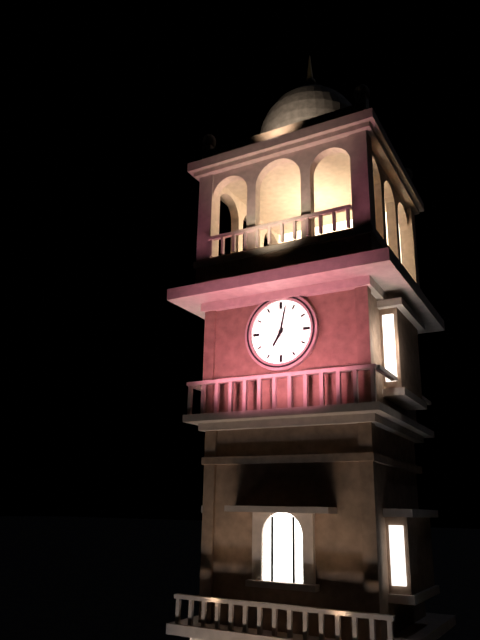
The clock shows 7:02
